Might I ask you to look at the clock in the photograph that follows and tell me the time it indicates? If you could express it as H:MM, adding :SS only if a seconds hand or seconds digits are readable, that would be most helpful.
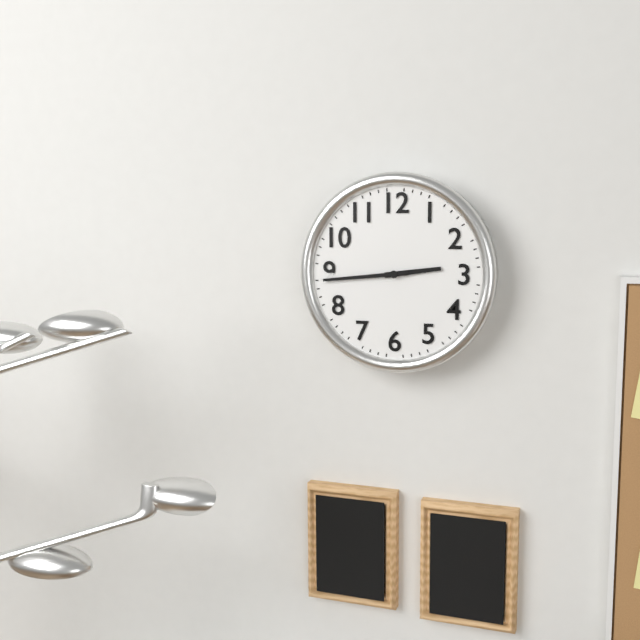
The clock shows 2:44
